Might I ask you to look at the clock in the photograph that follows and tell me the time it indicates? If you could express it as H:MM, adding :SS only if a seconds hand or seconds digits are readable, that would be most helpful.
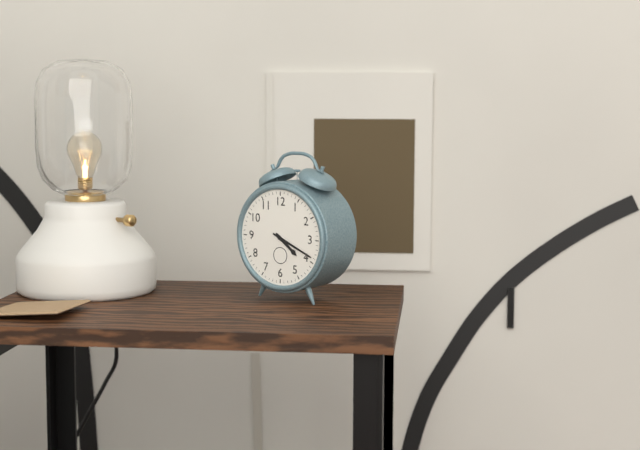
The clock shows 4:19
